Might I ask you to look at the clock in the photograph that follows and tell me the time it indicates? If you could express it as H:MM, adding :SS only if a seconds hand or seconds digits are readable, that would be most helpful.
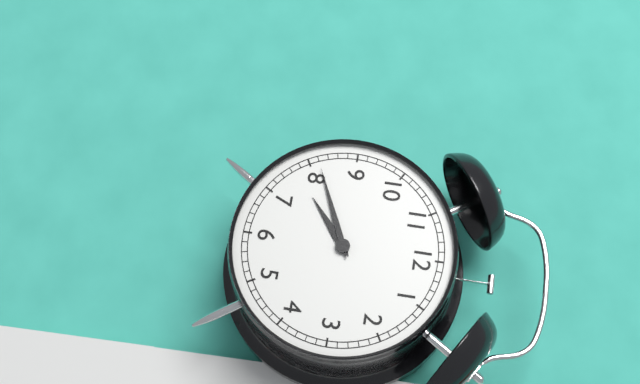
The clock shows 7:41
